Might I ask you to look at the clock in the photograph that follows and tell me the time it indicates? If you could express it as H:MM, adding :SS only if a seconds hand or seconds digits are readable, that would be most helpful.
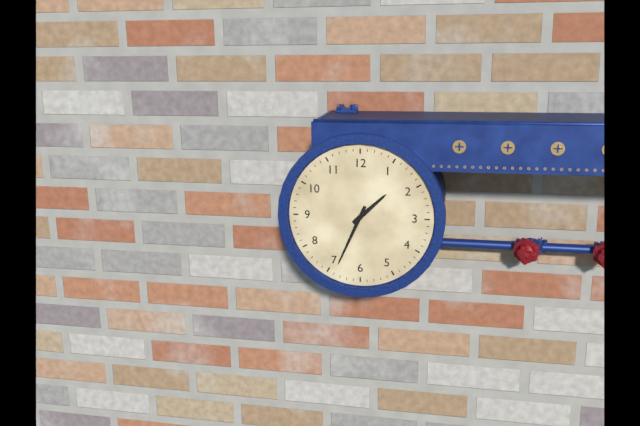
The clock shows 1:34
